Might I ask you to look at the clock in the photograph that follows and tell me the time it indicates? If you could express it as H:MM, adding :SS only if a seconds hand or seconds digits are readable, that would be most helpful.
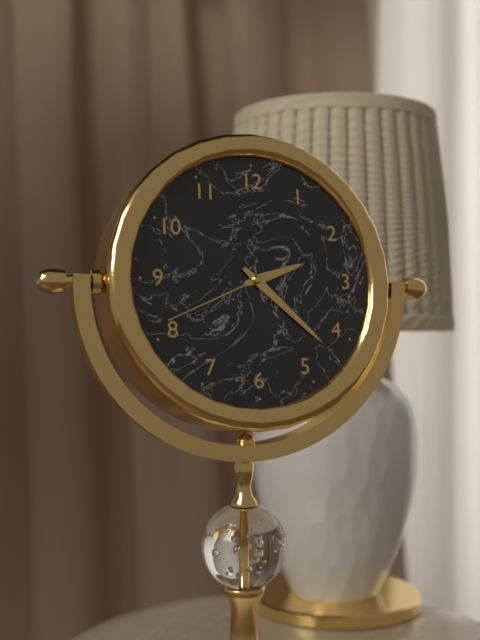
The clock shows 2:22:41
